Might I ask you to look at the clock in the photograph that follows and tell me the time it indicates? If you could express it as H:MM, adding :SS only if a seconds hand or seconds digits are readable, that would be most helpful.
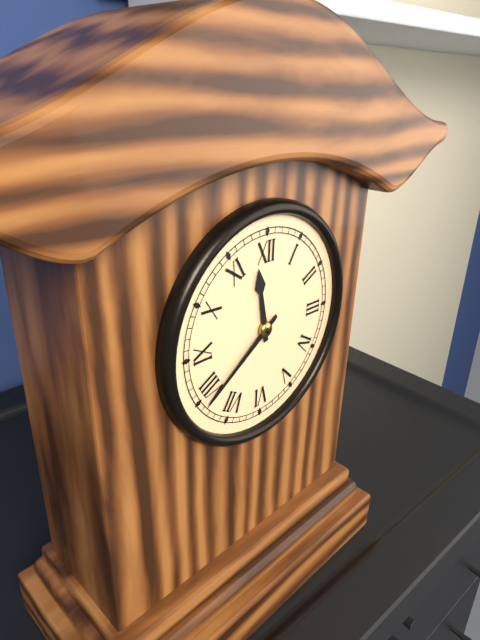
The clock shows 11:39
